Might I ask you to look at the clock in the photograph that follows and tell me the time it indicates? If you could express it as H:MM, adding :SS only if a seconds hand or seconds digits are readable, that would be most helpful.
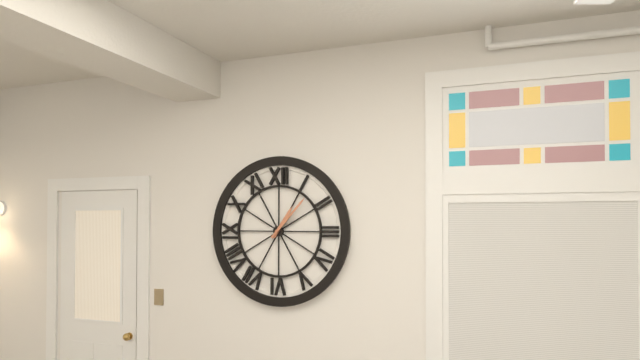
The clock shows 1:07
